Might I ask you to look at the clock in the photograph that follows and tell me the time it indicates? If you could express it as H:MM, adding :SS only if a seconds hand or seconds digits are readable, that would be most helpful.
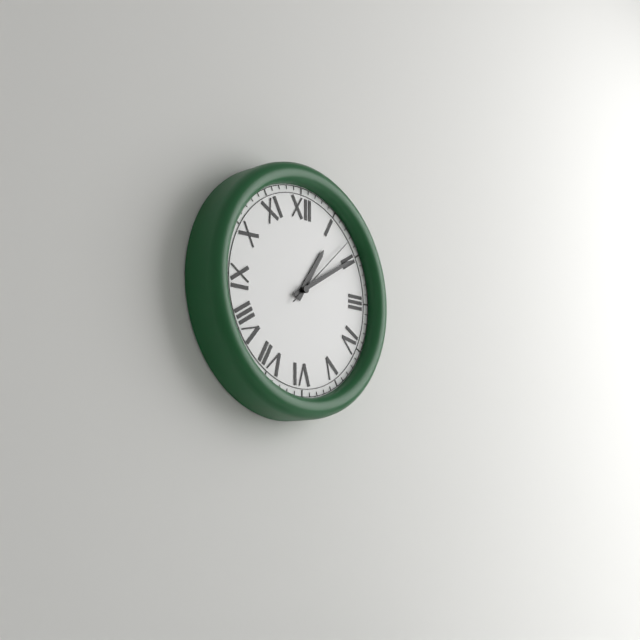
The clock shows 1:10:08
